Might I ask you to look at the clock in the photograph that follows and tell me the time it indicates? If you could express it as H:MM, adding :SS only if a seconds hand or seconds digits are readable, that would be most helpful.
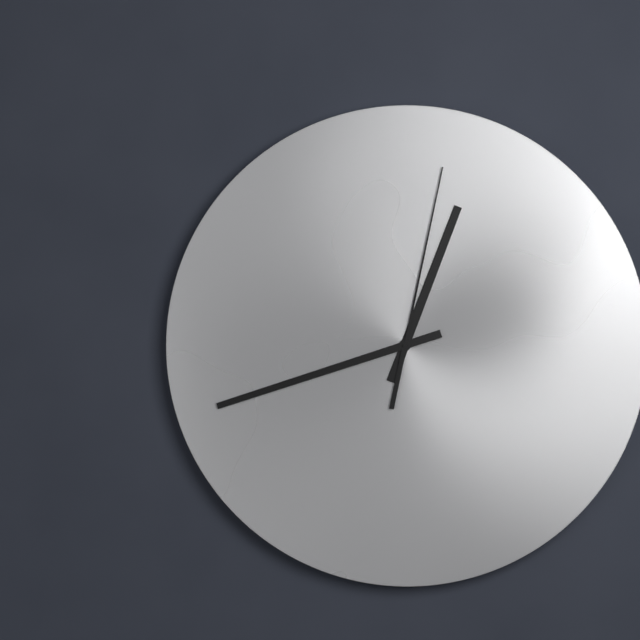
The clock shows 12:42:02
